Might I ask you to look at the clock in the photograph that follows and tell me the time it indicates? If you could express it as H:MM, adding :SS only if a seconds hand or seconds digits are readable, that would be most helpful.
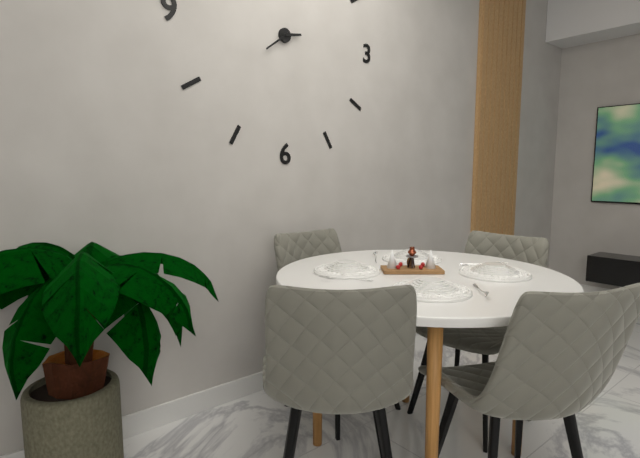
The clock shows 2:39
